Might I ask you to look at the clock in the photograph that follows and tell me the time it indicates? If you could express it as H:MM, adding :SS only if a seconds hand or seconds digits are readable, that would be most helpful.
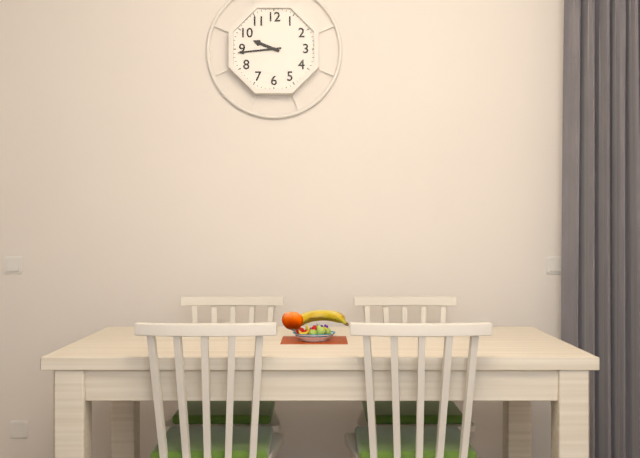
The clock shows 9:44
